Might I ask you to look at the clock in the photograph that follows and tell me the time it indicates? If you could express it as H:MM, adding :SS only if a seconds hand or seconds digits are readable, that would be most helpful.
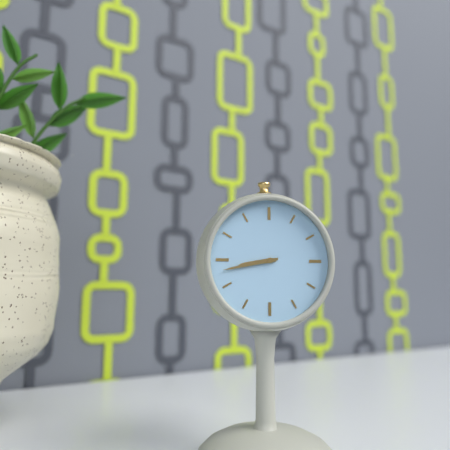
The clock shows 8:43
